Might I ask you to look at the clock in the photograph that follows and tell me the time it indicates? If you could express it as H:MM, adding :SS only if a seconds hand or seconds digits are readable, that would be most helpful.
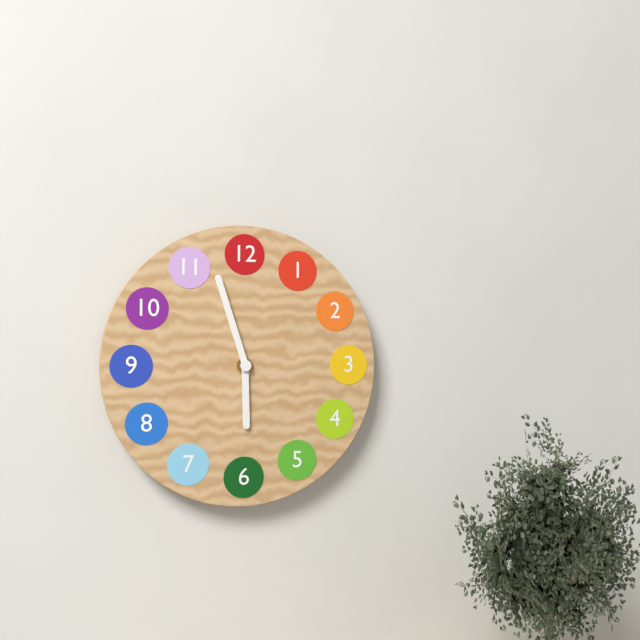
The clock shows 5:57
